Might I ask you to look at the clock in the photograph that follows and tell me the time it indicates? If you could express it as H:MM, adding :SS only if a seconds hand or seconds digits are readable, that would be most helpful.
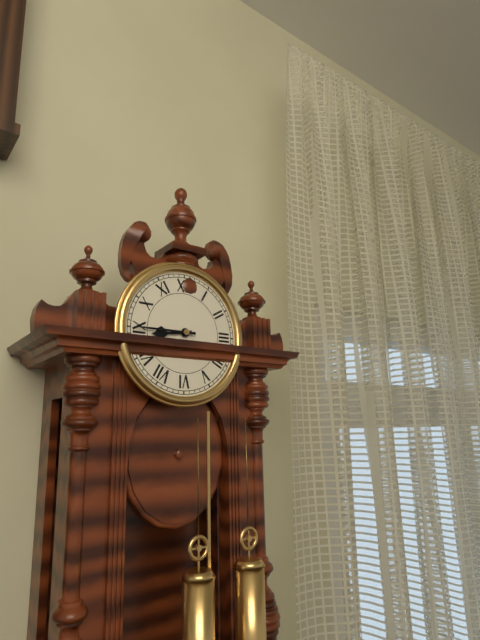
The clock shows 8:45
